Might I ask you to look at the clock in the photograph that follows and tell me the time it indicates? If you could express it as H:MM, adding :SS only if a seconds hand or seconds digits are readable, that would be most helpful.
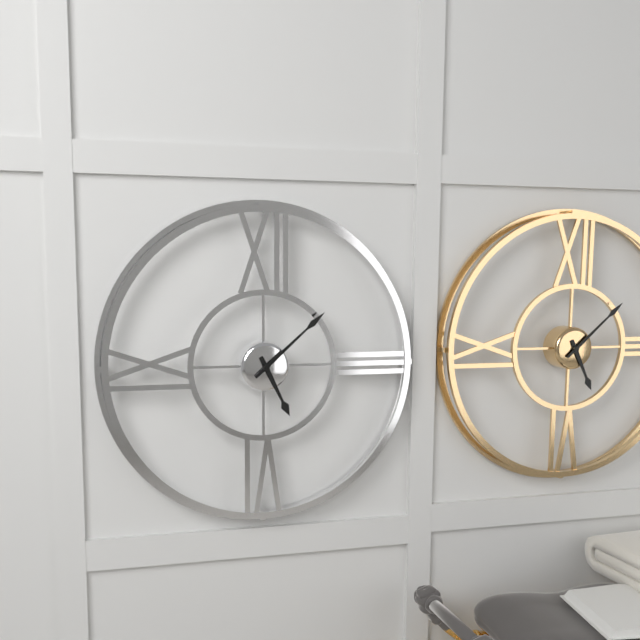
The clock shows 5:08
